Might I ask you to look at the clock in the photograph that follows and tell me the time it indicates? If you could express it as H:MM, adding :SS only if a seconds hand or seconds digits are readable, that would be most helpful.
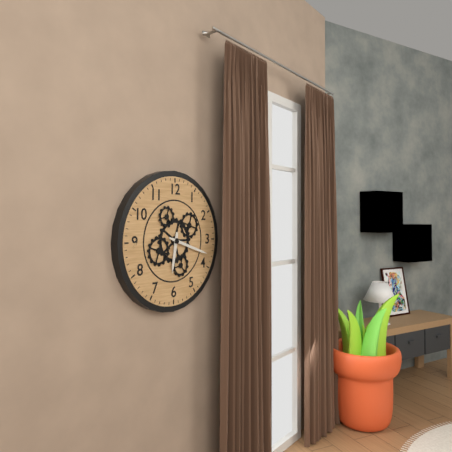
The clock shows 6:18
